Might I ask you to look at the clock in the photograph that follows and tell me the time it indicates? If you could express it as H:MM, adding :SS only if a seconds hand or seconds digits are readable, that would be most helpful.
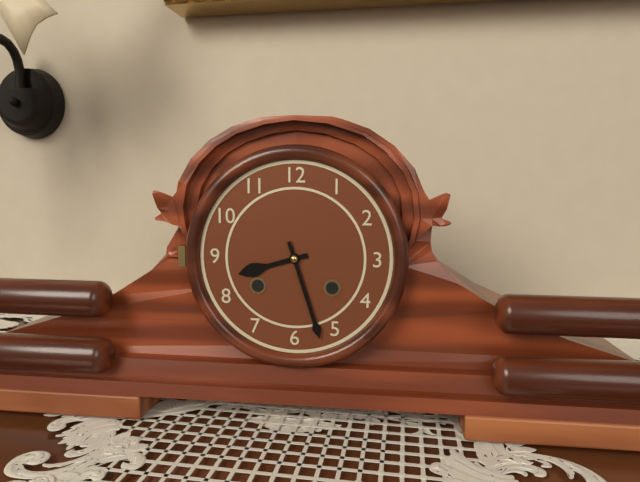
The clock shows 8:27
